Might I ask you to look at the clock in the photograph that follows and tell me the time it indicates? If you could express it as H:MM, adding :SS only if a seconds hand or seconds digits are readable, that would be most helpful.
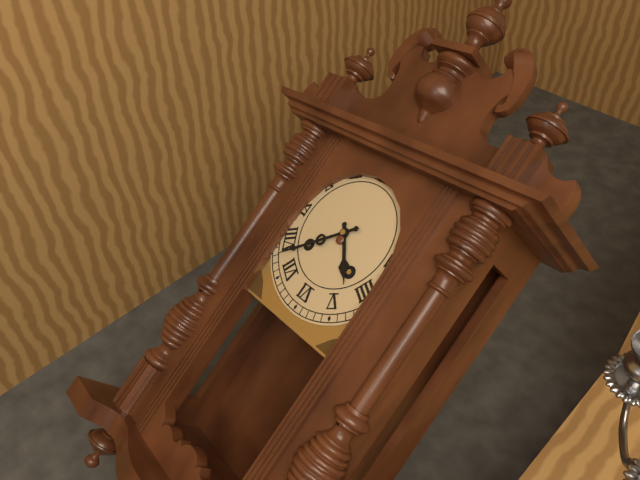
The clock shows 4:38
